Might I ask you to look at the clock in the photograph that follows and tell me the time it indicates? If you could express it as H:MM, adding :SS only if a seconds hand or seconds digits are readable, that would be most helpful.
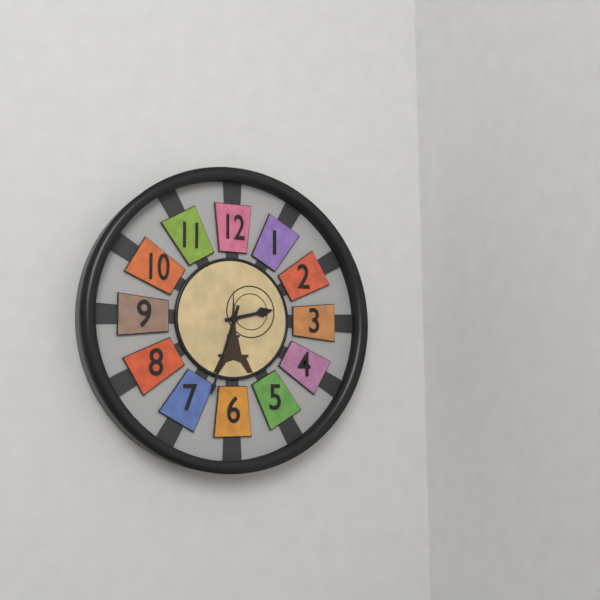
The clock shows 2:33
